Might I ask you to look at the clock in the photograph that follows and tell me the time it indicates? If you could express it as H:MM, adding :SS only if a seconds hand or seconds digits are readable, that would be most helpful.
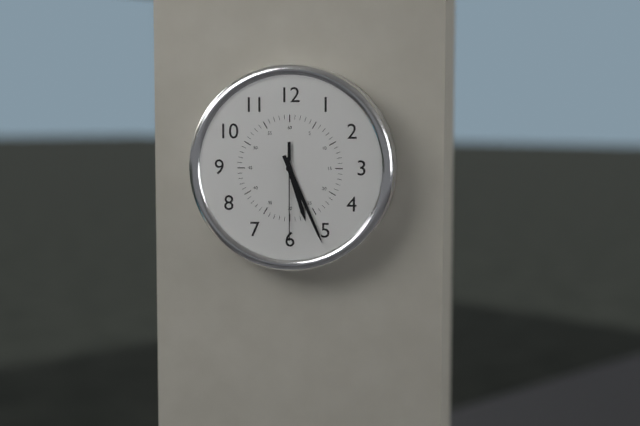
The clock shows 5:26:30
